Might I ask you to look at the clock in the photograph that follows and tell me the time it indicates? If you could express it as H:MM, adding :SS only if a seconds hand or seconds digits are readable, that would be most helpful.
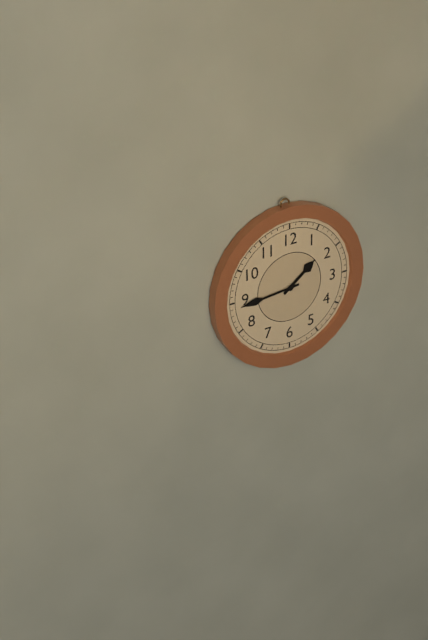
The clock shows 1:44
